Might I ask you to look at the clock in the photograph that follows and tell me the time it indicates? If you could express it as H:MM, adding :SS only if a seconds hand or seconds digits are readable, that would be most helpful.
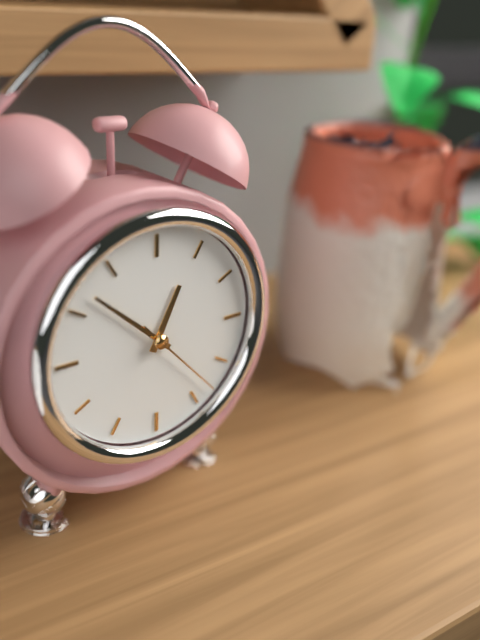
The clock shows 12:52:23
